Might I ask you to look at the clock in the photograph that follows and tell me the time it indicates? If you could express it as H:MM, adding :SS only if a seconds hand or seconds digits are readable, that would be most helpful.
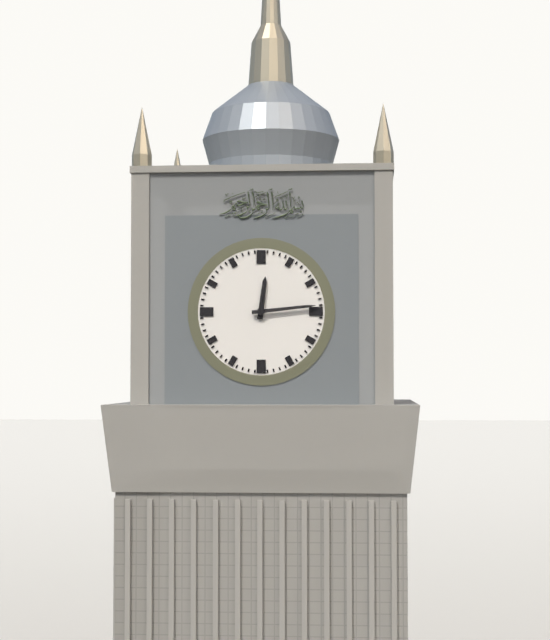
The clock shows 12:14
